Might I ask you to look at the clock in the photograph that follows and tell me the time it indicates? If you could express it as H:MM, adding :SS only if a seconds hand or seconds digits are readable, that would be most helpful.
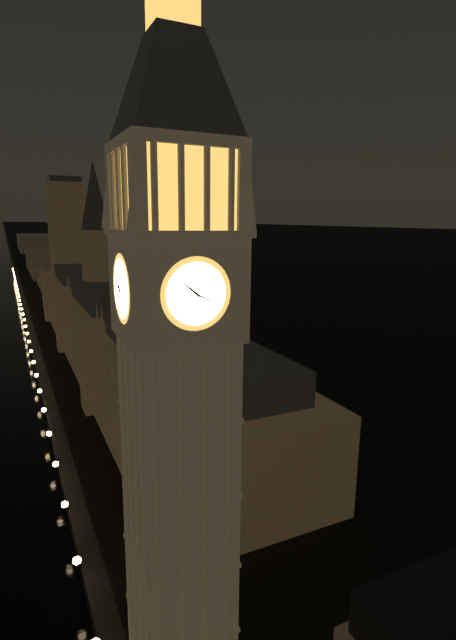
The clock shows 10:20
